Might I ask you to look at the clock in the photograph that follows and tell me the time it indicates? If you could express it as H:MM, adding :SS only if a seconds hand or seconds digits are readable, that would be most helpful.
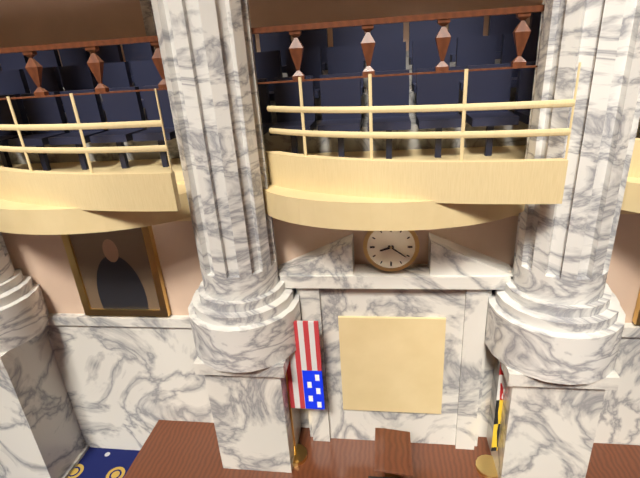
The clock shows 8:21
